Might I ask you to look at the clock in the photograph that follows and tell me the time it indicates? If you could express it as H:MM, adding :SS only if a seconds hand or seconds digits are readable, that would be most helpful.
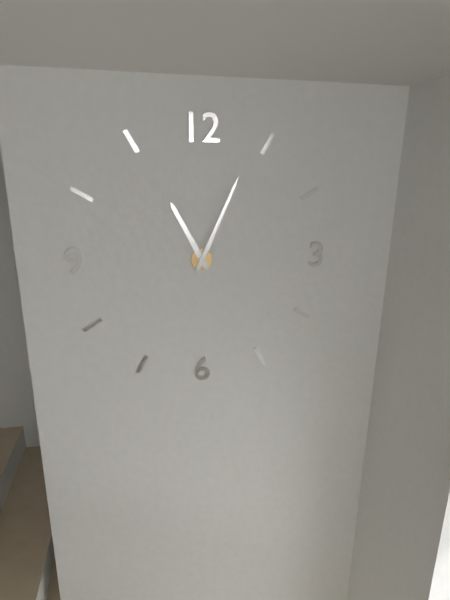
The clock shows 11:04
